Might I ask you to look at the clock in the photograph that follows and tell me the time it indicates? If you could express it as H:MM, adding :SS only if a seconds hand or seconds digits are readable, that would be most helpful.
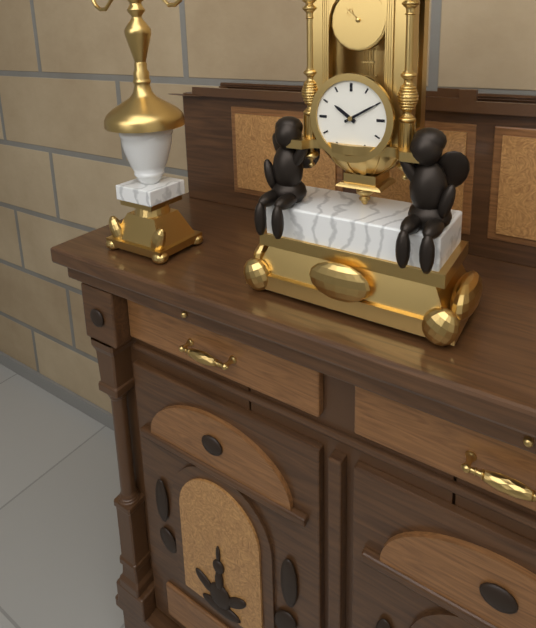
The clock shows 10:10
